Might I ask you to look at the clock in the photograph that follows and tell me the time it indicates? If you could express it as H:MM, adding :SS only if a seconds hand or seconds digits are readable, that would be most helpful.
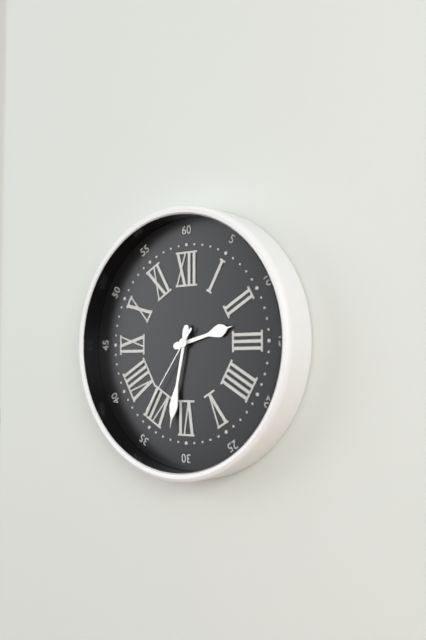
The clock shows 2:32:36
